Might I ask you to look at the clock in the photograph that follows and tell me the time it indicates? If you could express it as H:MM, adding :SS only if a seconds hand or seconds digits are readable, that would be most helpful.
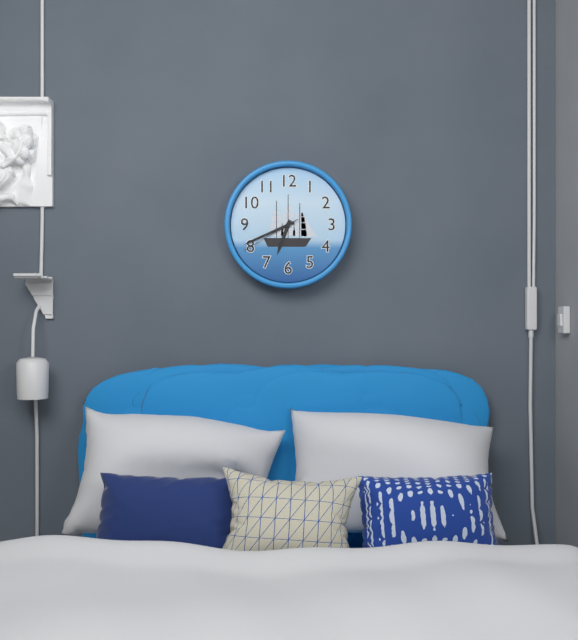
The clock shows 6:41:40
